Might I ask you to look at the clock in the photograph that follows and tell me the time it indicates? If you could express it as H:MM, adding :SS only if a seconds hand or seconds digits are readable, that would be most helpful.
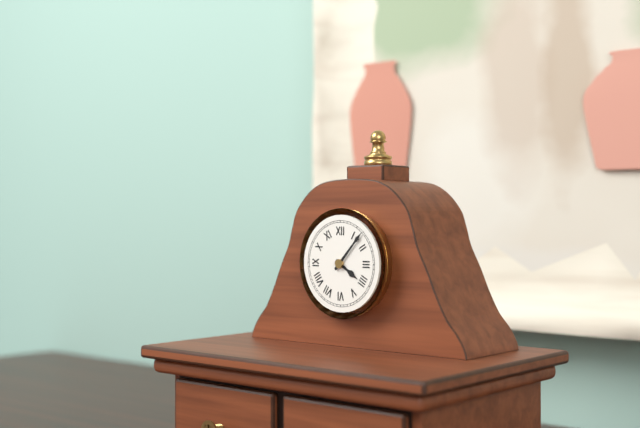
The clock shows 4:07
